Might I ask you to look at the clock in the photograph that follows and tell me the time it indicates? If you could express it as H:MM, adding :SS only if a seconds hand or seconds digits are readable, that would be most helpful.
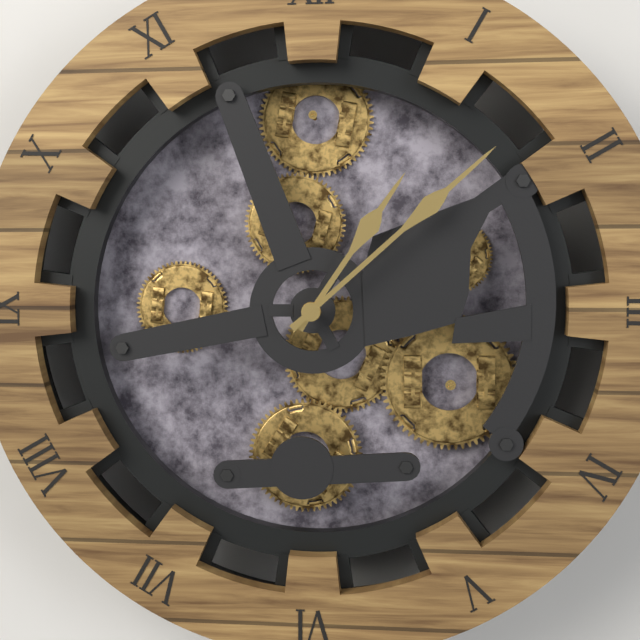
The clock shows 1:08
